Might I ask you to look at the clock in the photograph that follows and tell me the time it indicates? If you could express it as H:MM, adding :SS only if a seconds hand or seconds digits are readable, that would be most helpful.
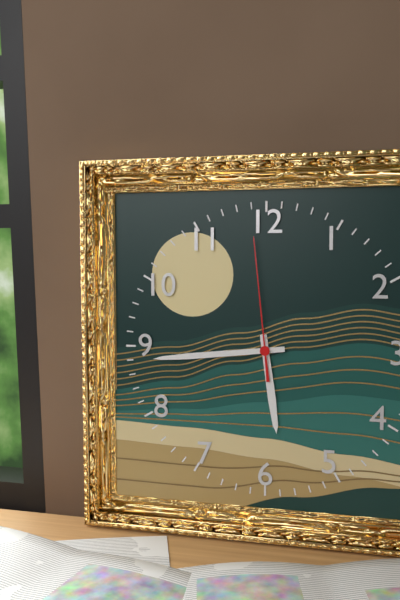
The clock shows 5:44:59
